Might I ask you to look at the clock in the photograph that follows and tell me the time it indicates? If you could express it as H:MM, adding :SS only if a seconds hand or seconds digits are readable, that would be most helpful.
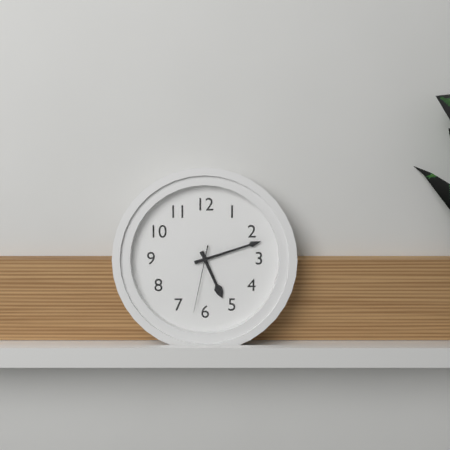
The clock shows 5:12:32
